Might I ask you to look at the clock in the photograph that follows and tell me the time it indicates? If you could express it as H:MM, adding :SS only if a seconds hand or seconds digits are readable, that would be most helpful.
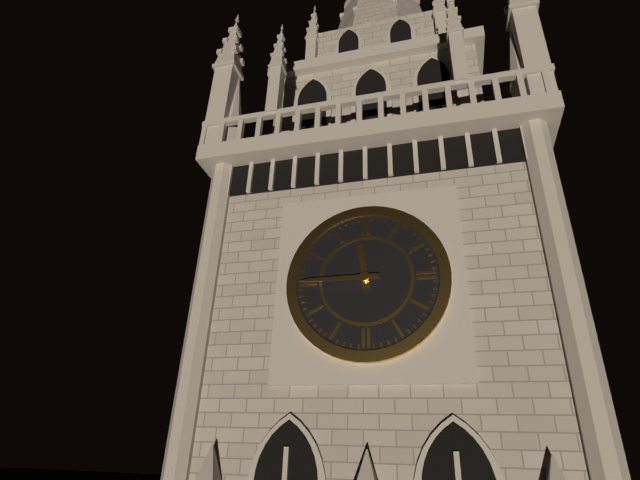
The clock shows 11:45
